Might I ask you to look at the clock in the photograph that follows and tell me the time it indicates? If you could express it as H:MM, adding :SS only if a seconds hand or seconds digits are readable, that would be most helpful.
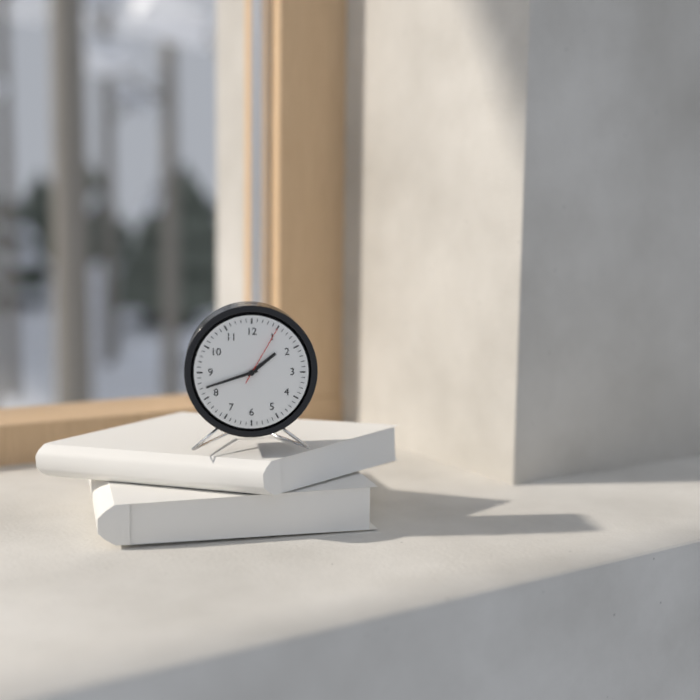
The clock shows 1:42:05
